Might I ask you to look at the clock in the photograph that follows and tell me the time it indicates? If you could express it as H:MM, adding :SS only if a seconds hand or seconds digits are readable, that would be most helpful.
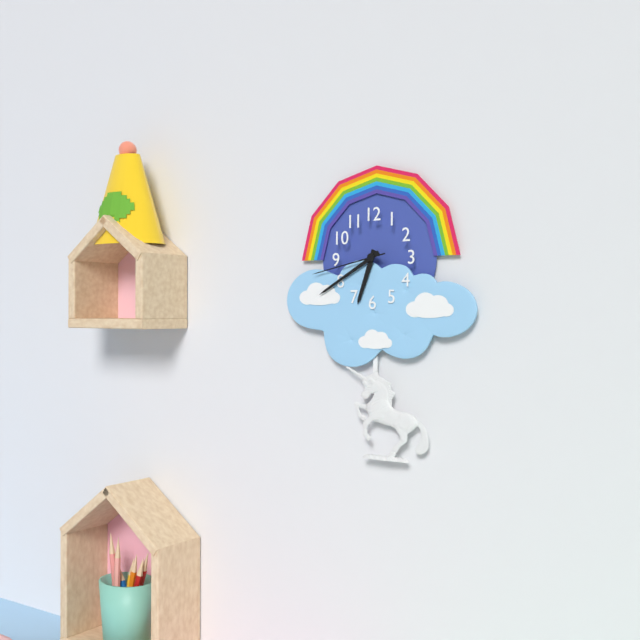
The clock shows 6:40:43
